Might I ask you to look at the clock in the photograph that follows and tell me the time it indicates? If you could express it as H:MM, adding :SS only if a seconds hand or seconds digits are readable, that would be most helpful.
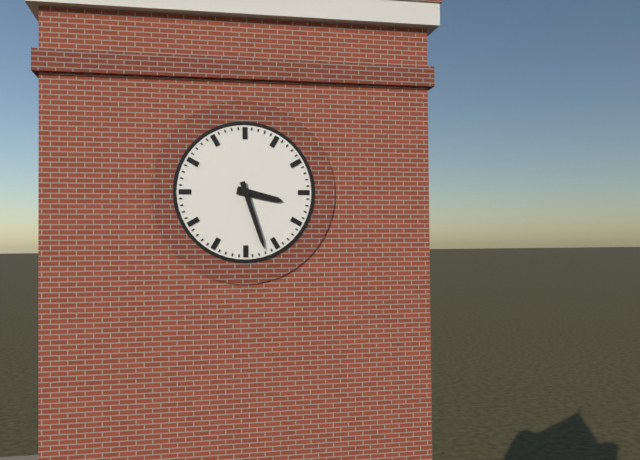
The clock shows 3:27
